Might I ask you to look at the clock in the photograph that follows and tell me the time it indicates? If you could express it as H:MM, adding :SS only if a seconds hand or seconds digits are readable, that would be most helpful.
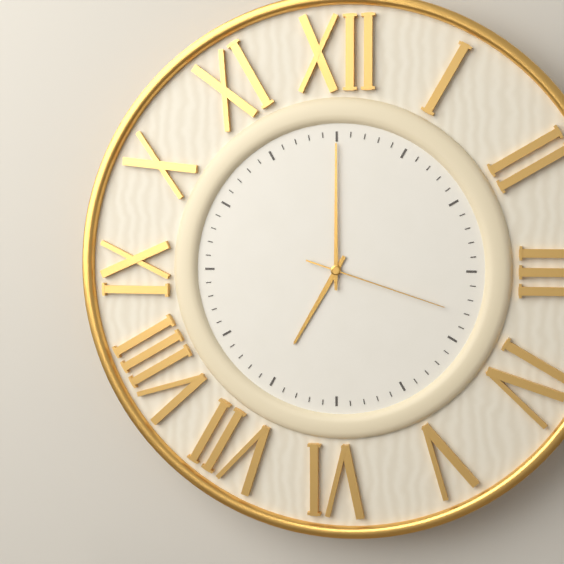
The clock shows 7:00:18
